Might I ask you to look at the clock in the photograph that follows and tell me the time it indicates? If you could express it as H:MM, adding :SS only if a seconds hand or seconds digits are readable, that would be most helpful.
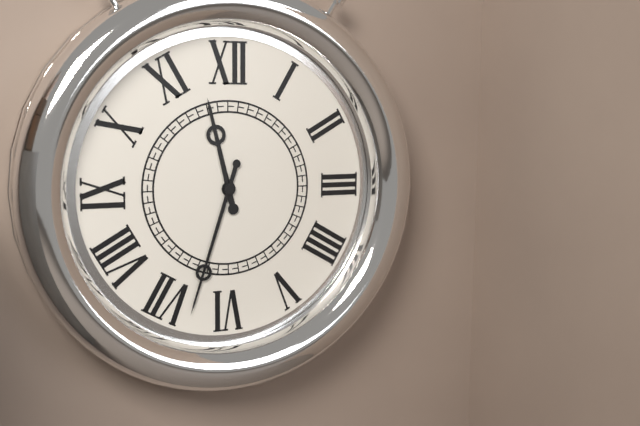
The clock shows 11:33
